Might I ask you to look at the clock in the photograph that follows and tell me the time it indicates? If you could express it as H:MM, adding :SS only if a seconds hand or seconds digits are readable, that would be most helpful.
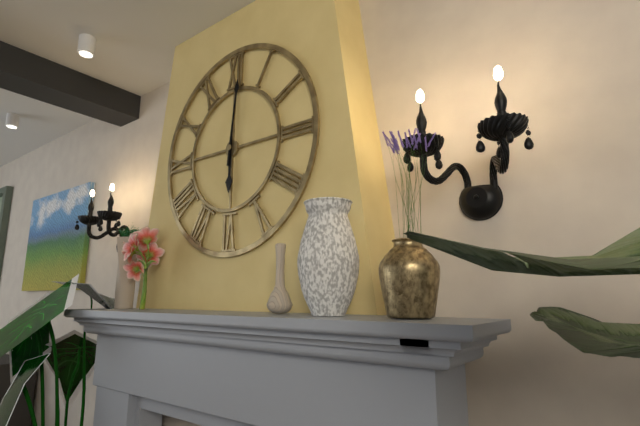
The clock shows 6:01
